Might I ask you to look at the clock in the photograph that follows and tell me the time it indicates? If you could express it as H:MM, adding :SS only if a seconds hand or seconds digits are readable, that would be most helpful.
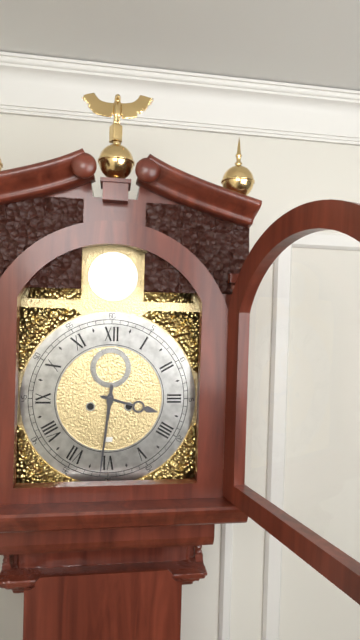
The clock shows 3:31
